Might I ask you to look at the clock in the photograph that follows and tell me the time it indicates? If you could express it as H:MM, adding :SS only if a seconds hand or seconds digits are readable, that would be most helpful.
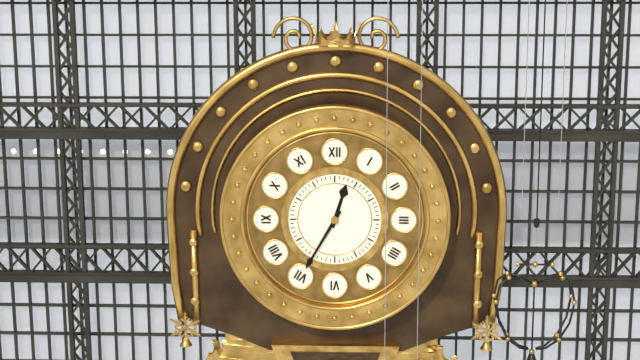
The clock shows 12:35
